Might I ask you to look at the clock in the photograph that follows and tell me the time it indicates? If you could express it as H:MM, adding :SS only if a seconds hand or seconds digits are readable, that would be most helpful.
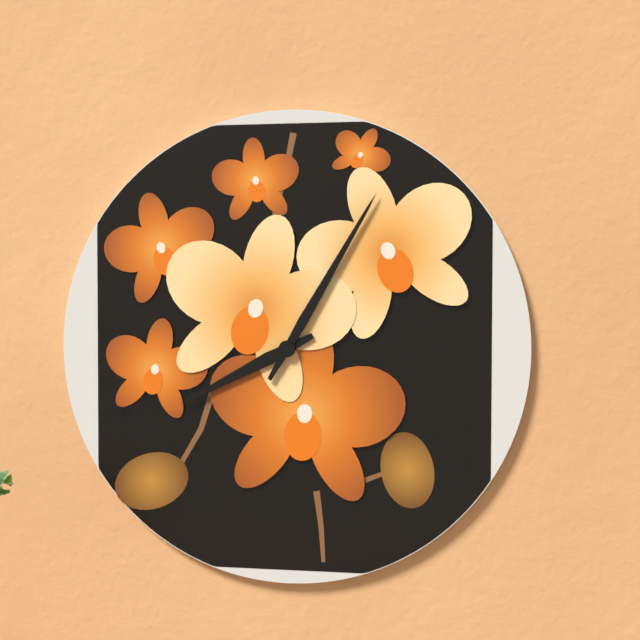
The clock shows 8:05
